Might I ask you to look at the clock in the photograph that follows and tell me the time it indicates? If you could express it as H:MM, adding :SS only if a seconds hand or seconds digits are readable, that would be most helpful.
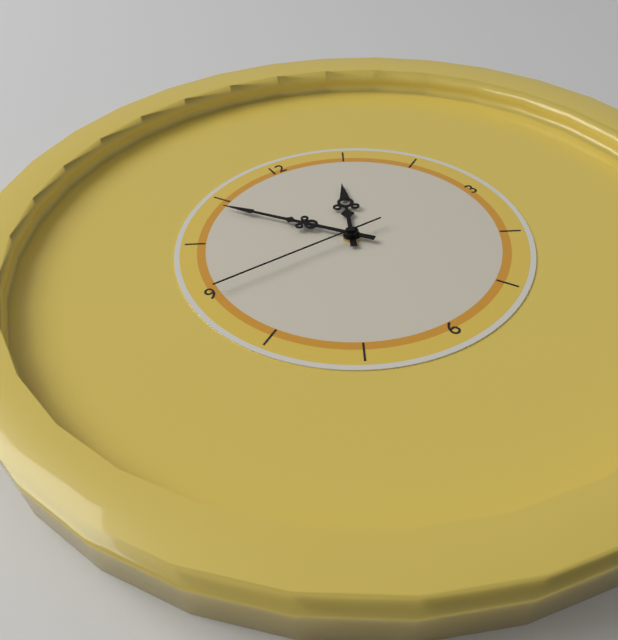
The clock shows 12:54:45
